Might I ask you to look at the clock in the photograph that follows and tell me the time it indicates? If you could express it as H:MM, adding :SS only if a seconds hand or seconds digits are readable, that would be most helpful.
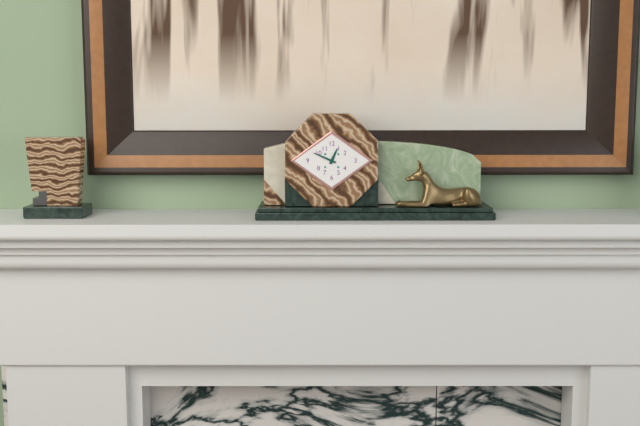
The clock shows 12:49
